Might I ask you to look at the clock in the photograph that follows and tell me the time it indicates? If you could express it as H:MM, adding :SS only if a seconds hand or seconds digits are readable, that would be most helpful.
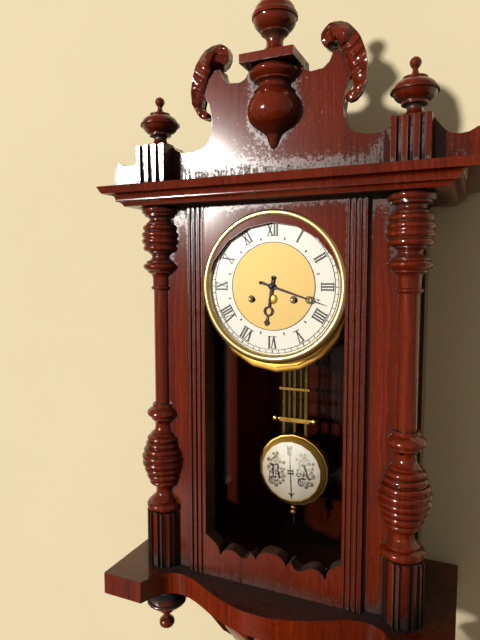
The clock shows 6:18
